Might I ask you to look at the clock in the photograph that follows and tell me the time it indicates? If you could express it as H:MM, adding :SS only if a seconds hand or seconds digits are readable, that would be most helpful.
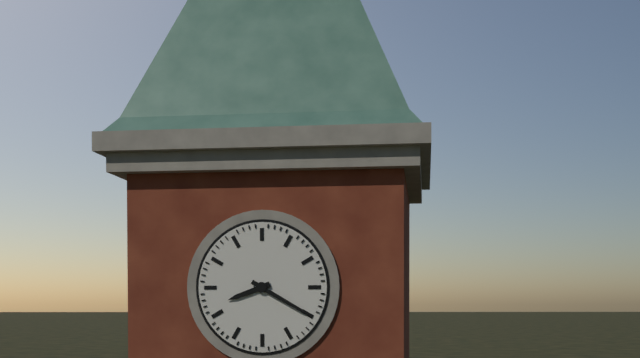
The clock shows 8:20
